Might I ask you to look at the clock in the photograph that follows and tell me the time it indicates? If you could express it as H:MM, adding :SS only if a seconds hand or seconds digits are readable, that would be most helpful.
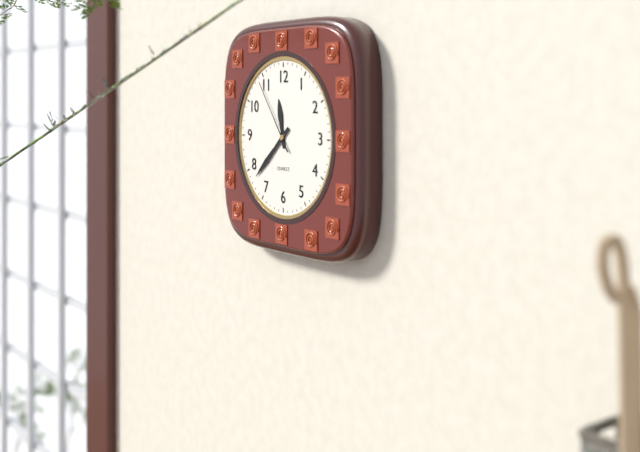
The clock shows 11:38:54
